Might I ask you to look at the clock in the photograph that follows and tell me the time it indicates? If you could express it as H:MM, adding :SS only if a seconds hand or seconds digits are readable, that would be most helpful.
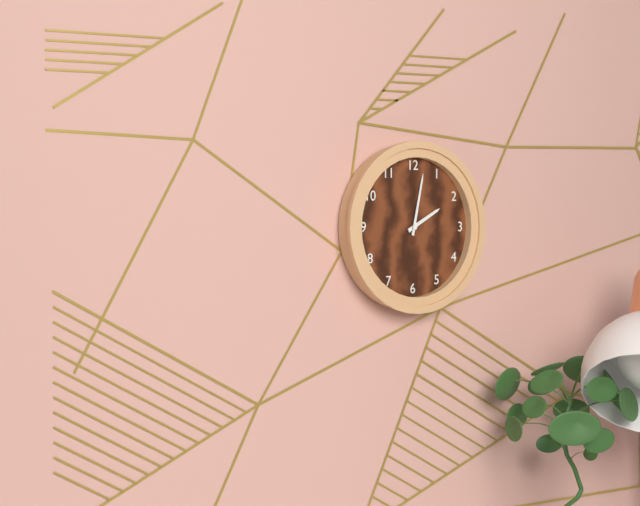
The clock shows 2:02
